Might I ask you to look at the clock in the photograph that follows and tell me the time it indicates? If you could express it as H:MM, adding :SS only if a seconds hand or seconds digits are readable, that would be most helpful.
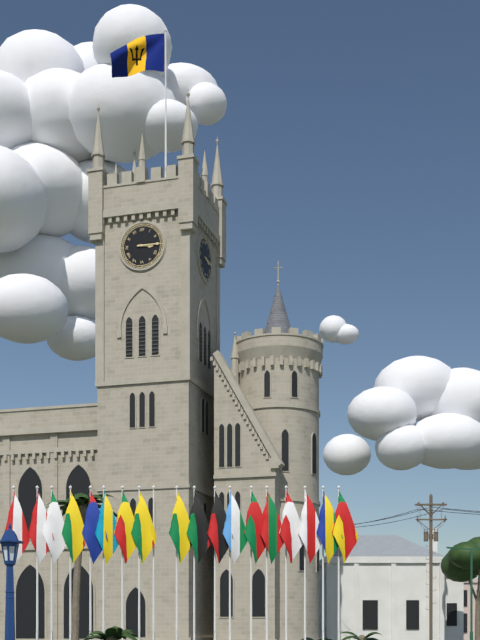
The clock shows 3:15
